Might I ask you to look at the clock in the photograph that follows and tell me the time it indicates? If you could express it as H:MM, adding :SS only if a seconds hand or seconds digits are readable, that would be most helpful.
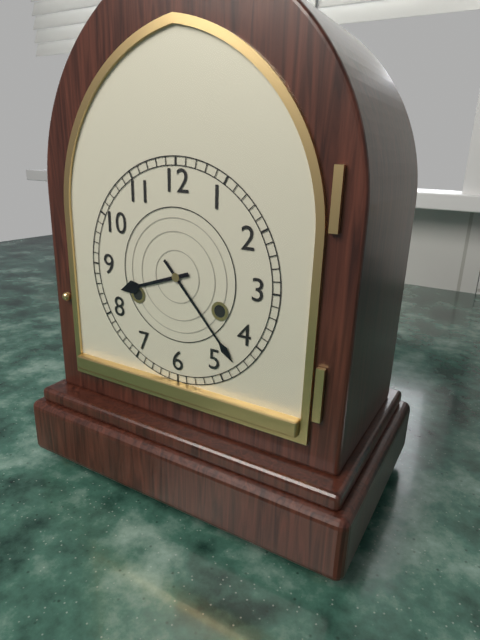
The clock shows 8:23
